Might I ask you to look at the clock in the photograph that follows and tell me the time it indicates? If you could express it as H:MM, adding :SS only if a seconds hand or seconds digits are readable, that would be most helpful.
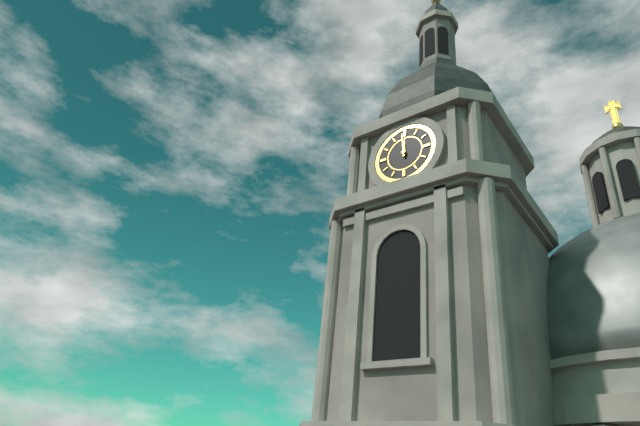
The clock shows 11:59
